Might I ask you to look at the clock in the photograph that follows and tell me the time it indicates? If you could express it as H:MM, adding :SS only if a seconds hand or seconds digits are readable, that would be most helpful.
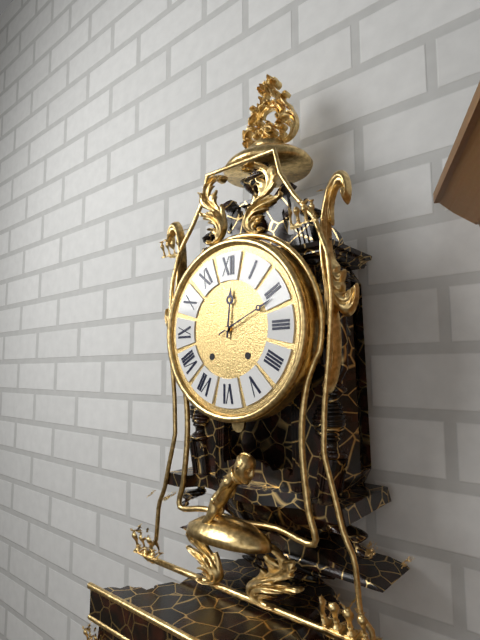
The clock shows 12:11
